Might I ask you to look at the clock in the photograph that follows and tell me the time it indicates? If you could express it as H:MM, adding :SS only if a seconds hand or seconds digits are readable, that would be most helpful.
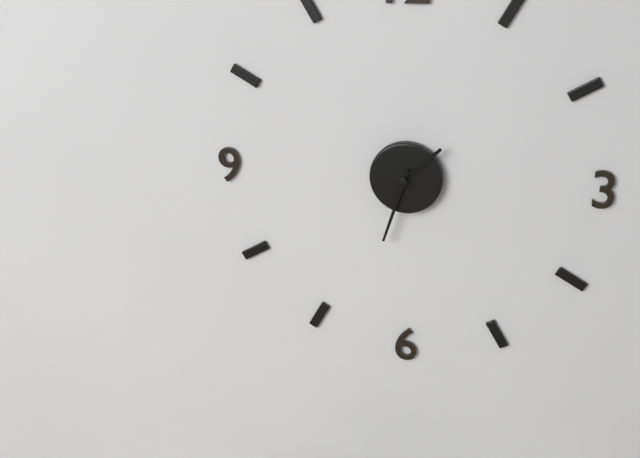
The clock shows 1:33
